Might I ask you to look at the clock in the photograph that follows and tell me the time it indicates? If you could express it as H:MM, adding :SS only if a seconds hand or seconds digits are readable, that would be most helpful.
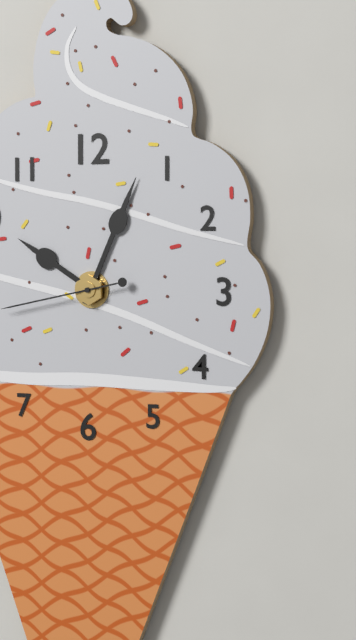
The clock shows 10:04
